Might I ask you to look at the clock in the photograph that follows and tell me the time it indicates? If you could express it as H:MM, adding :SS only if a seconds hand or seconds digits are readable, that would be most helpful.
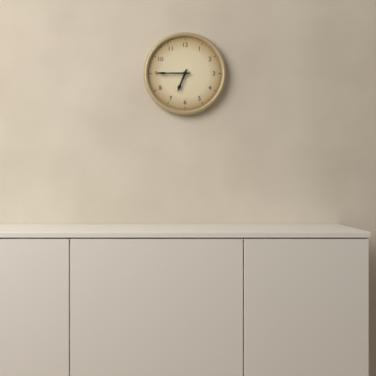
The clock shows 6:45
